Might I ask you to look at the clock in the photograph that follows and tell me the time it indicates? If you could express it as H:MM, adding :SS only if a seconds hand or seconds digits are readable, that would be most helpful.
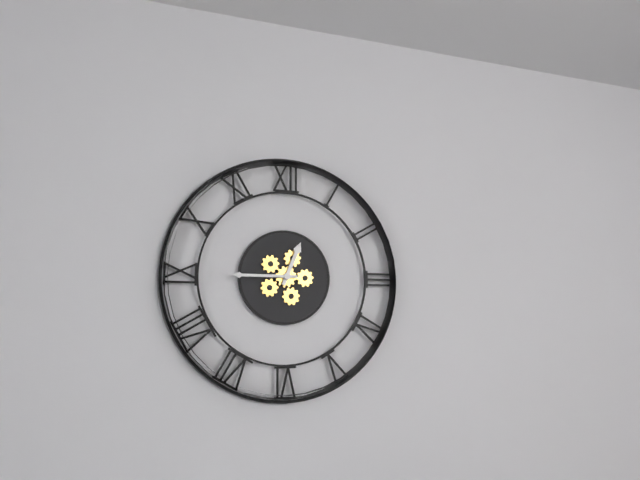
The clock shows 12:45
